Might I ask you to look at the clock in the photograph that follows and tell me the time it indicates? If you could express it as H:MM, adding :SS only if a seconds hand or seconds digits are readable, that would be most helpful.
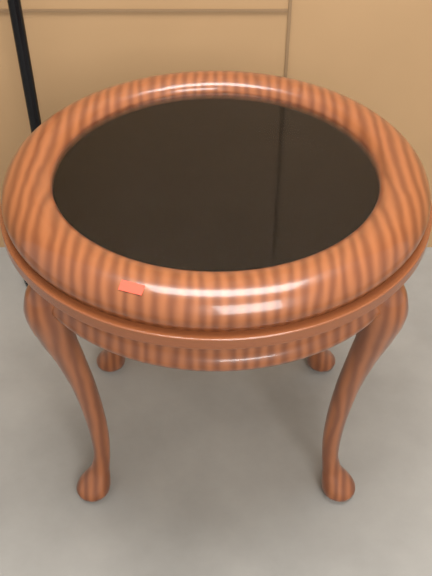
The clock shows 9:39
